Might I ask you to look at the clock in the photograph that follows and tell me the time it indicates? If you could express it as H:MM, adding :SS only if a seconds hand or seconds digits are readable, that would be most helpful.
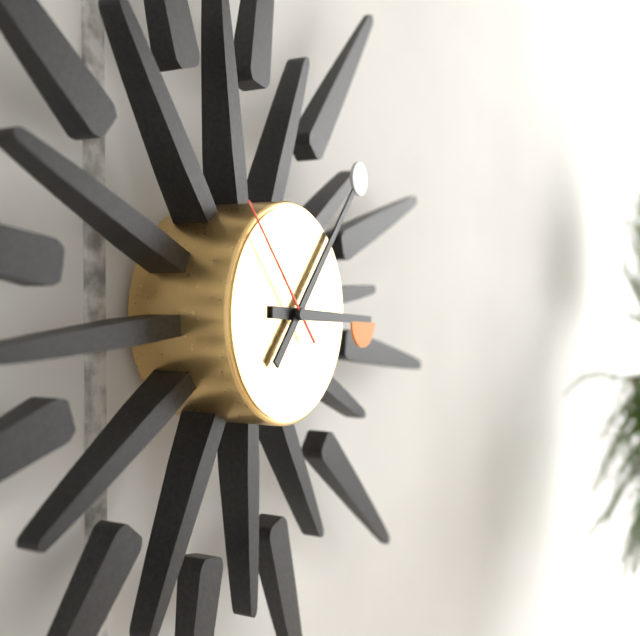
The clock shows 3:07:53
